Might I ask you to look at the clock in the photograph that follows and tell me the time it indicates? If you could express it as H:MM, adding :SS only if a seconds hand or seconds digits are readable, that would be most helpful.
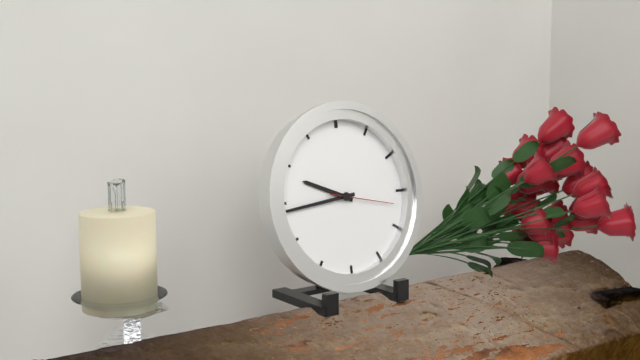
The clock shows 9:44:17
